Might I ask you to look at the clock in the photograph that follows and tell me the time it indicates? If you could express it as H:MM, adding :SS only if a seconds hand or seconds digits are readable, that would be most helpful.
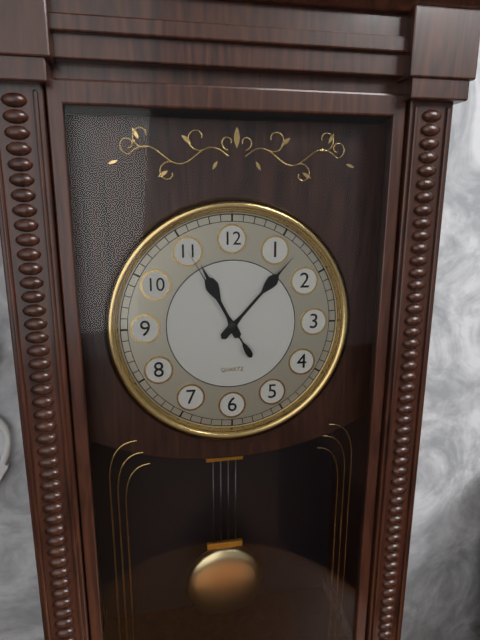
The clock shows 11:07:55
